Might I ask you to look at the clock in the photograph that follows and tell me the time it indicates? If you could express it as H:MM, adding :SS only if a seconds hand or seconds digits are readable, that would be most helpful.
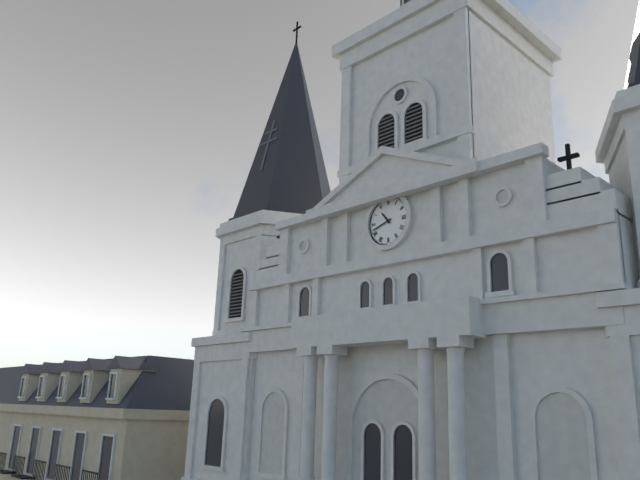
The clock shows 10:42
